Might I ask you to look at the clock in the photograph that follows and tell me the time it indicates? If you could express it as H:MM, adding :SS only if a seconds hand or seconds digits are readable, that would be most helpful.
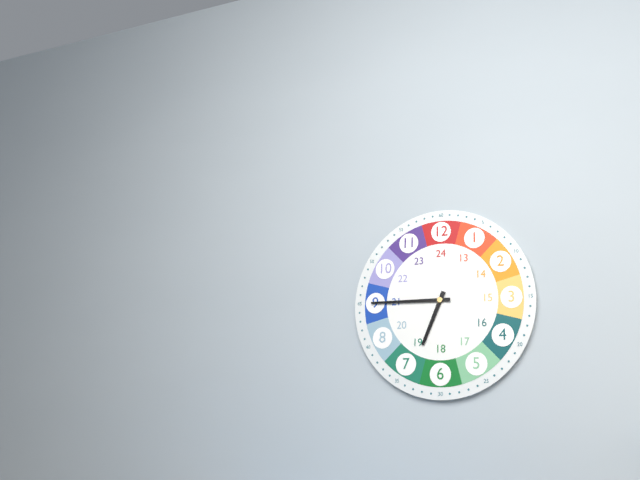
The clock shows 6:45
